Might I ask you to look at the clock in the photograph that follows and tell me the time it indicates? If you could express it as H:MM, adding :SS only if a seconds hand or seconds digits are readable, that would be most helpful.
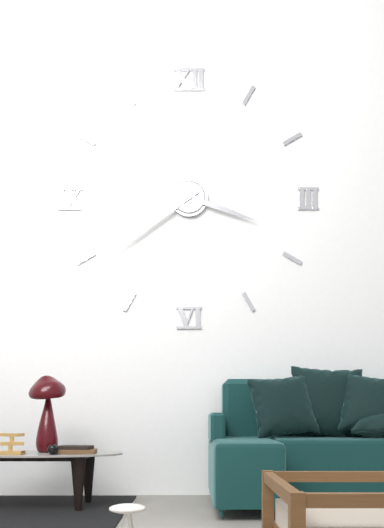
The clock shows 3:39
